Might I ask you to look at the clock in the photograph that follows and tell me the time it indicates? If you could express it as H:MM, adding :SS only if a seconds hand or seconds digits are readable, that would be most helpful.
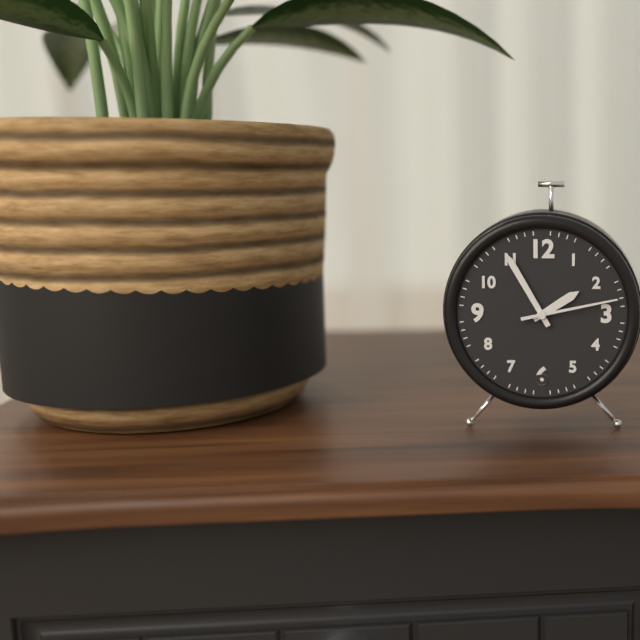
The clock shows 1:55:13
